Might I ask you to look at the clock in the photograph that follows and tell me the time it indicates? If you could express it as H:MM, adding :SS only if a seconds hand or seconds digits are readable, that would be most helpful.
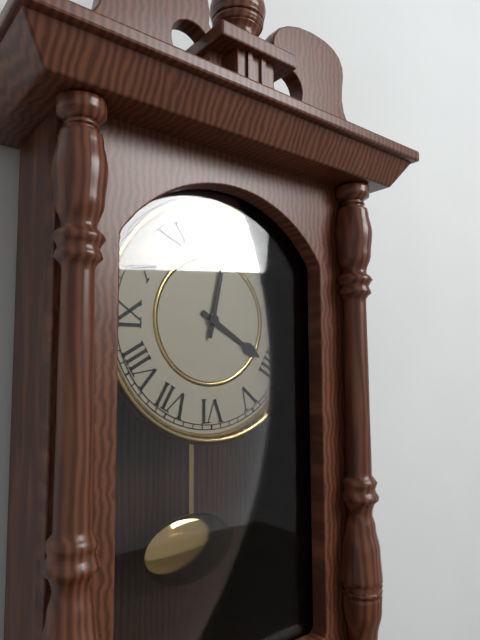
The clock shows 4:02
